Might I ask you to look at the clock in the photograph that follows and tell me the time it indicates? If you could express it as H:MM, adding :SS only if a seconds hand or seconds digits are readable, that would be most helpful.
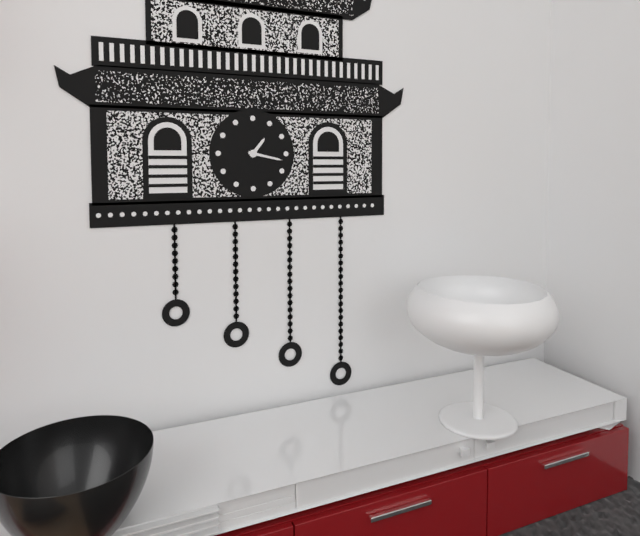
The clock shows 1:17
